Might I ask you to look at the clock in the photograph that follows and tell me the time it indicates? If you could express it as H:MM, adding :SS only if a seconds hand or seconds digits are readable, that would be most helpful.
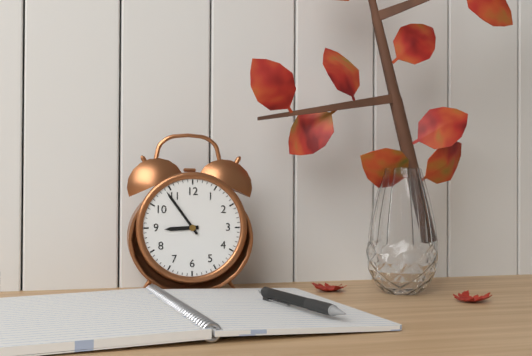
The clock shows 8:54
